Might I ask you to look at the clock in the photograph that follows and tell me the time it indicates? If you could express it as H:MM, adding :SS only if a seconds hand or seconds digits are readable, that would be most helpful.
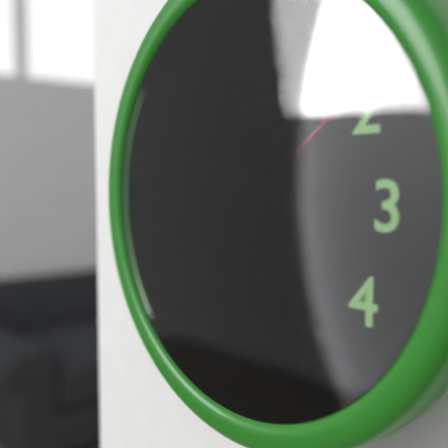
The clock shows 10:41:09
